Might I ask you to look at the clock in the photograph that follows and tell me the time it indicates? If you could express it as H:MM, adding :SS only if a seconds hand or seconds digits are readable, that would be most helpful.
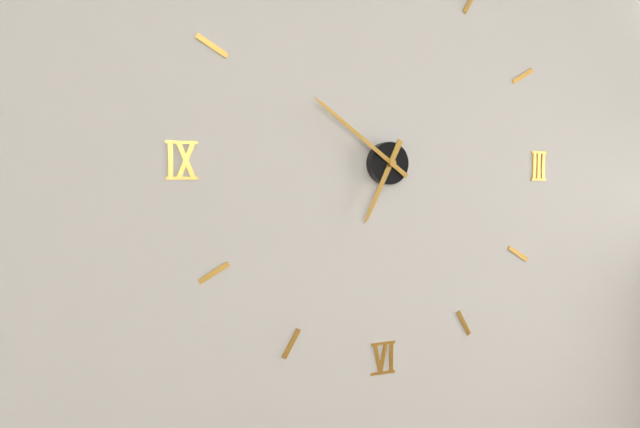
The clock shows 6:51
